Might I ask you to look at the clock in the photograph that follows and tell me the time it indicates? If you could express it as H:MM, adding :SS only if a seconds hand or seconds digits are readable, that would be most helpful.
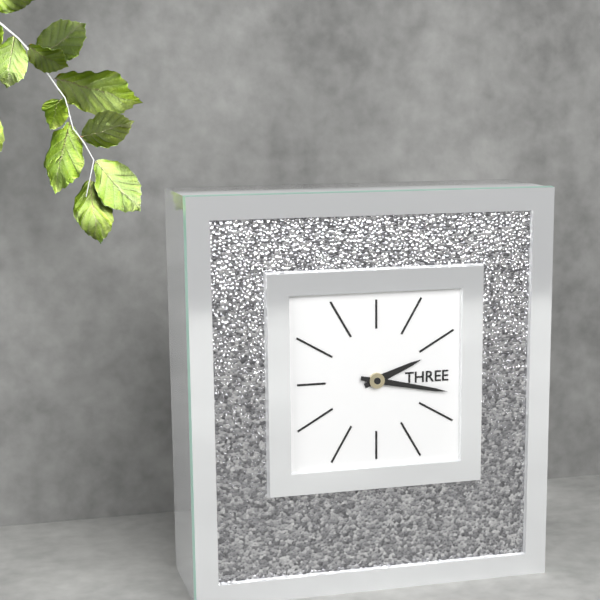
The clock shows 2:17
